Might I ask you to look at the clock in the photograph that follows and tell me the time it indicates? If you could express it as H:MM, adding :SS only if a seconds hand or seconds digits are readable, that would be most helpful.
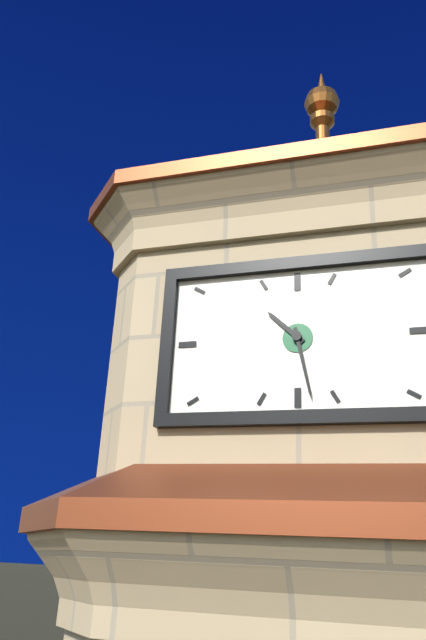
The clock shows 10:28
